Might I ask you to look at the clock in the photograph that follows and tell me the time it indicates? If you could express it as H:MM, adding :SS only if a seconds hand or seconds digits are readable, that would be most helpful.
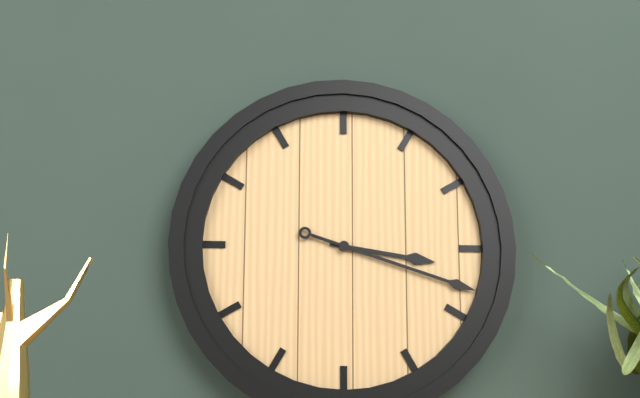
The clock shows 3:18
